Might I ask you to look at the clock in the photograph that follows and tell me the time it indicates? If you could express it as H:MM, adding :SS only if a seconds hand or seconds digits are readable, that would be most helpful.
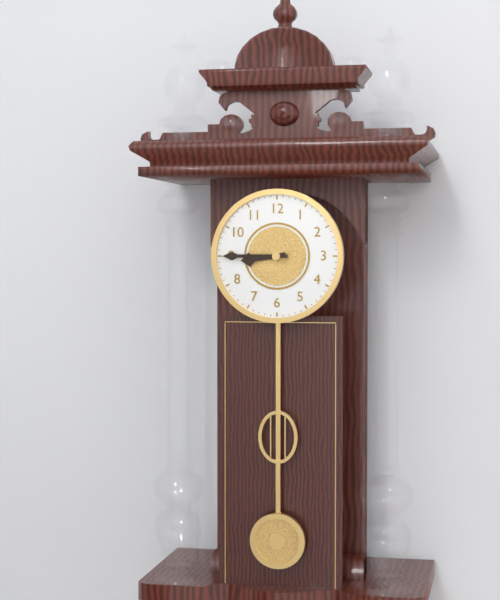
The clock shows 8:45
